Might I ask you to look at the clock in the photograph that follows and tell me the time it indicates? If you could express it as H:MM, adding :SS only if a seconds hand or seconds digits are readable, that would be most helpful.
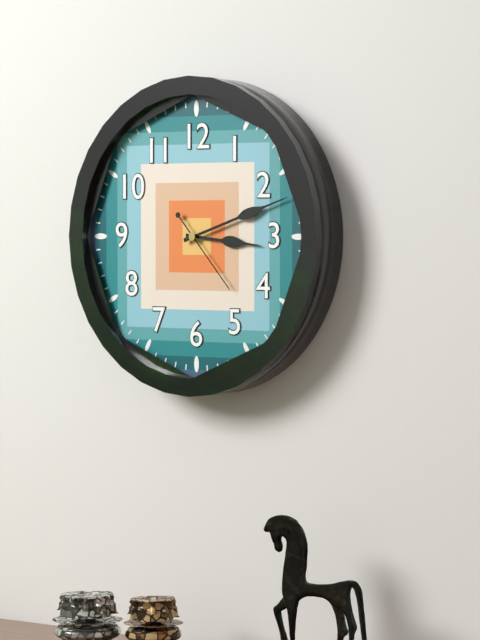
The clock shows 3:12:23
